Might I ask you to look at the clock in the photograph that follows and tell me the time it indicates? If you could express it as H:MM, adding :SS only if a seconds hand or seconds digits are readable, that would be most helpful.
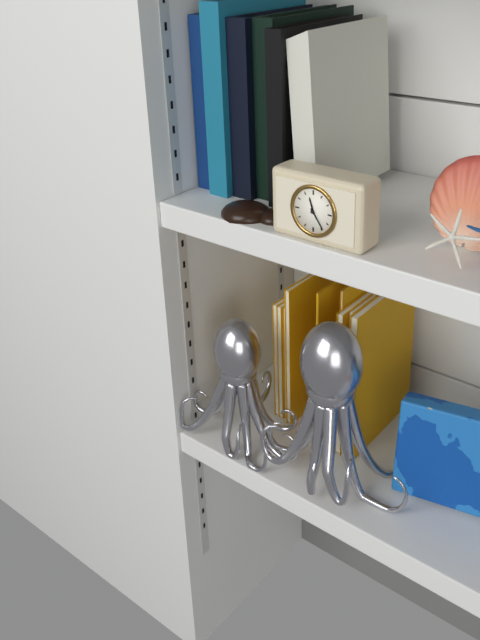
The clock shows 11:24
